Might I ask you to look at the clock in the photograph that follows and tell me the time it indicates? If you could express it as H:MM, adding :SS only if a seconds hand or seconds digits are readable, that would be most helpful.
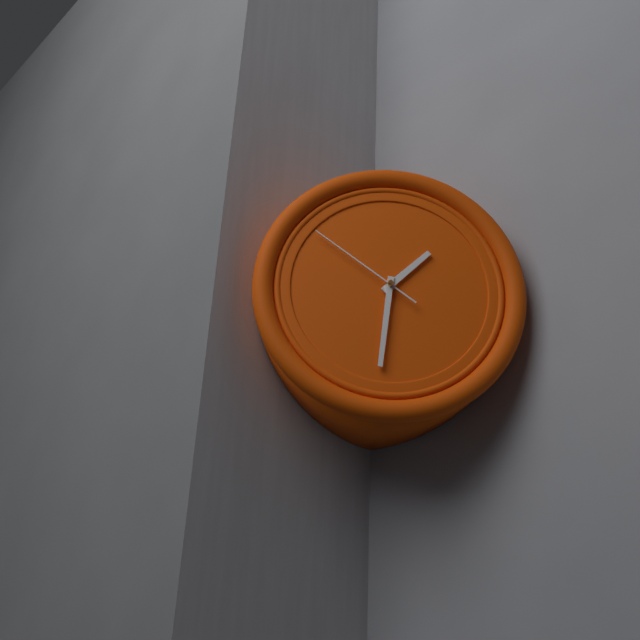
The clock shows 1:31:51
